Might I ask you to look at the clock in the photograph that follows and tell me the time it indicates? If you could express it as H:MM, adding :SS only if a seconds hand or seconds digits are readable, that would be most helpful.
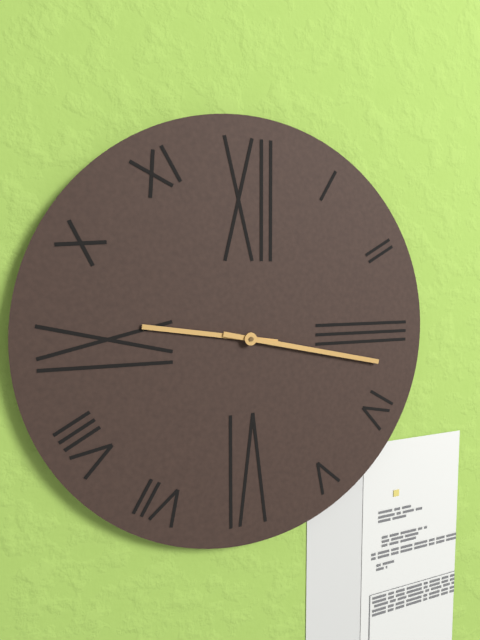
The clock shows 9:17
